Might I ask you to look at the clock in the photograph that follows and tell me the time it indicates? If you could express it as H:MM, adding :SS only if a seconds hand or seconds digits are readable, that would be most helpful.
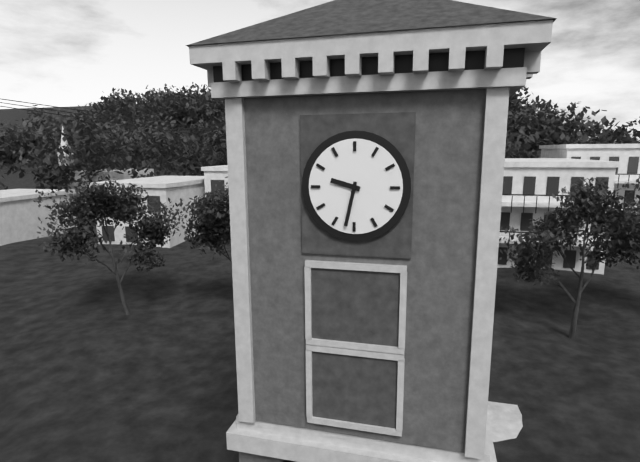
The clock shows 9:32
